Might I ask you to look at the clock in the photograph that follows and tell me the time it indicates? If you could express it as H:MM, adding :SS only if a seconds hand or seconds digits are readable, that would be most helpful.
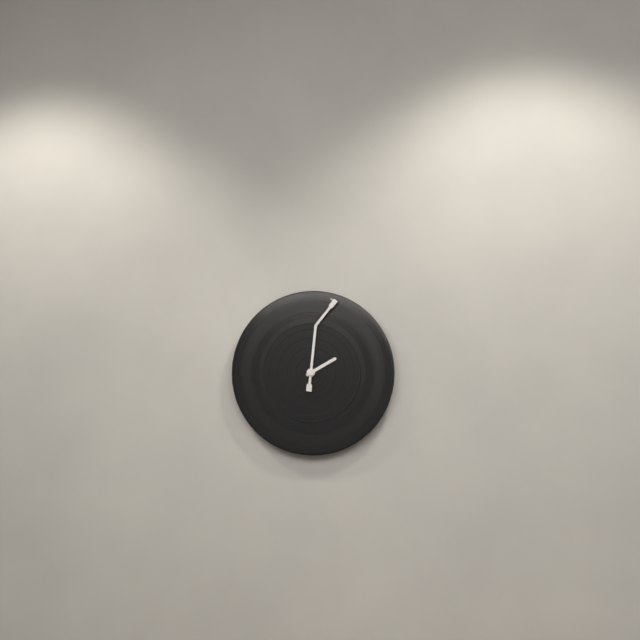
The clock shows 2:01
